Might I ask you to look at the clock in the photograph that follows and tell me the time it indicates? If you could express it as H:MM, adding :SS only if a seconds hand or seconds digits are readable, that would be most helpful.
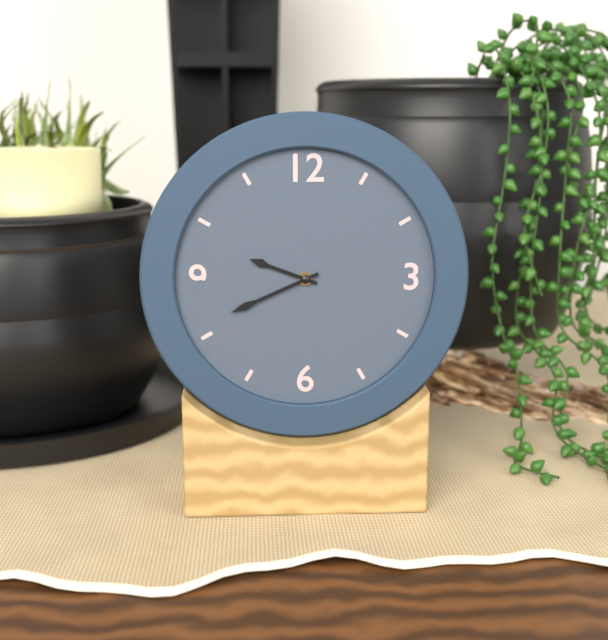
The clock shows 9:41
